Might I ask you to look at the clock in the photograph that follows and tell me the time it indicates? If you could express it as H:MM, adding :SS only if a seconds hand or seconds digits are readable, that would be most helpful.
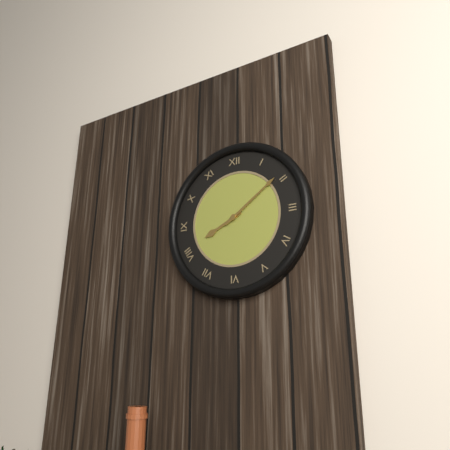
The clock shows 8:09
